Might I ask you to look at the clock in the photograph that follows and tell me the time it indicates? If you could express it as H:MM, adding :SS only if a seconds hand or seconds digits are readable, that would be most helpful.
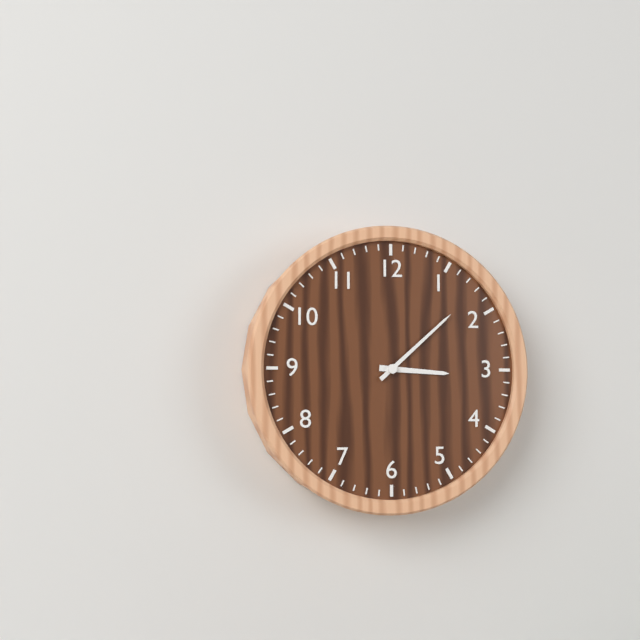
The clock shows 3:08
